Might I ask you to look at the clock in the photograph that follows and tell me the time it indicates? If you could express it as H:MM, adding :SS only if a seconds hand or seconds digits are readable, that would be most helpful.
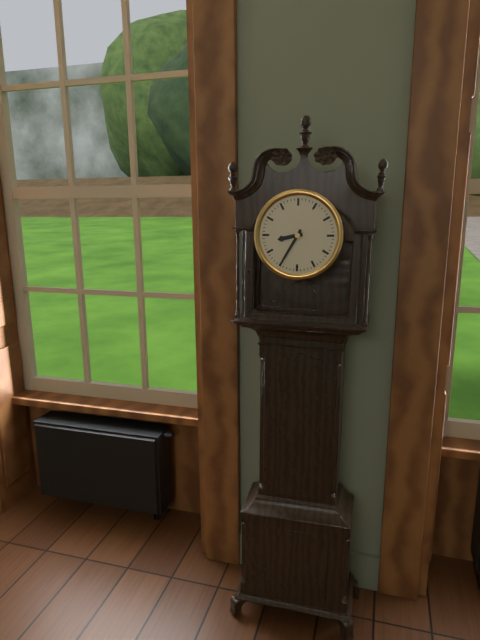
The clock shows 8:35
